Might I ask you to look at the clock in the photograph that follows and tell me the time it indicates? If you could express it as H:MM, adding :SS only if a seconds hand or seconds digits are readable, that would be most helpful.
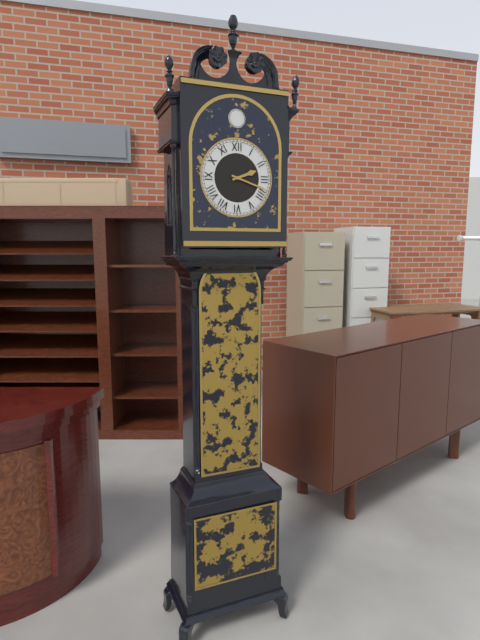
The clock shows 2:18
